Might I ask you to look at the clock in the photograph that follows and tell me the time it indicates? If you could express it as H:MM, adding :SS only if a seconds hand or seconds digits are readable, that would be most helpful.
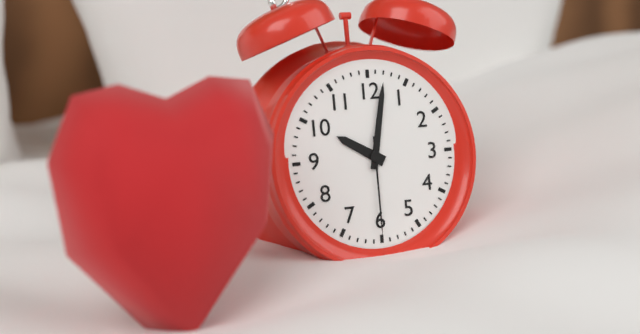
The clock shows 10:02:30
